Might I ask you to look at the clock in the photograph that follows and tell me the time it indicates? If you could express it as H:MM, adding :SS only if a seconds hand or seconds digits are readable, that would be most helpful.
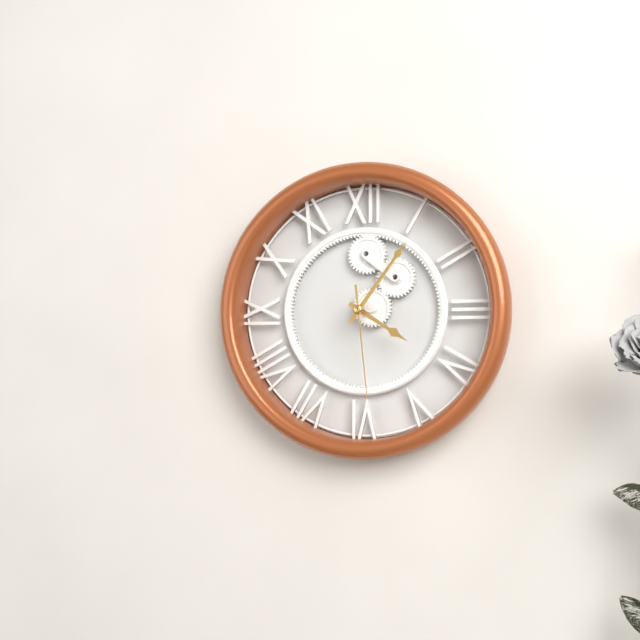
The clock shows 4:06:29
